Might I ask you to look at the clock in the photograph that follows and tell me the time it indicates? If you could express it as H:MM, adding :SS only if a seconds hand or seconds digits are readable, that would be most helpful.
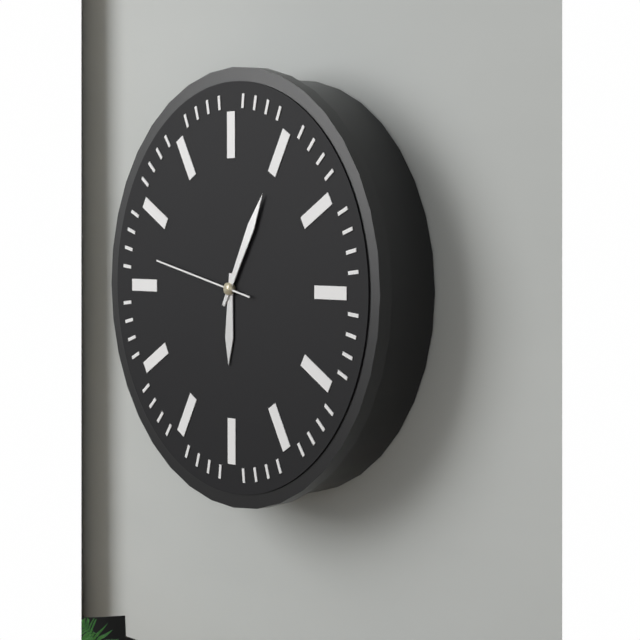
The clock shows 6:05:47
